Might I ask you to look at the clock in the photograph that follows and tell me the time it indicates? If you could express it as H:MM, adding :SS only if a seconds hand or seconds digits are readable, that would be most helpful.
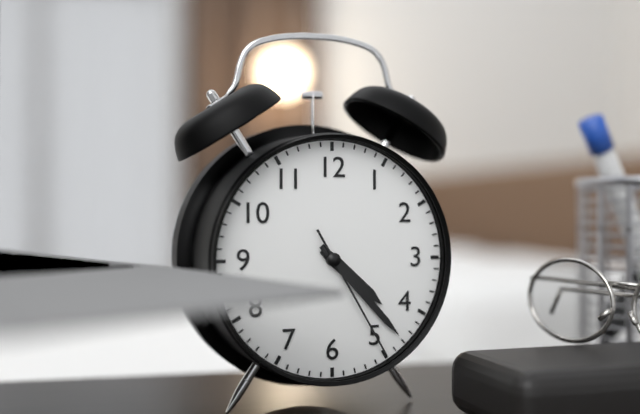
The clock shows 4:23:25
